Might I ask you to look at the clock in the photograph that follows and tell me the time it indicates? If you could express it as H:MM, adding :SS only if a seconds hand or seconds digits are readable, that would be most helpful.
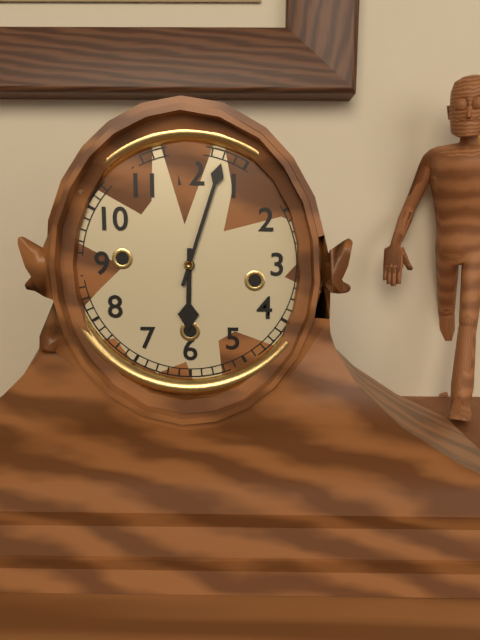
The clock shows 6:03
